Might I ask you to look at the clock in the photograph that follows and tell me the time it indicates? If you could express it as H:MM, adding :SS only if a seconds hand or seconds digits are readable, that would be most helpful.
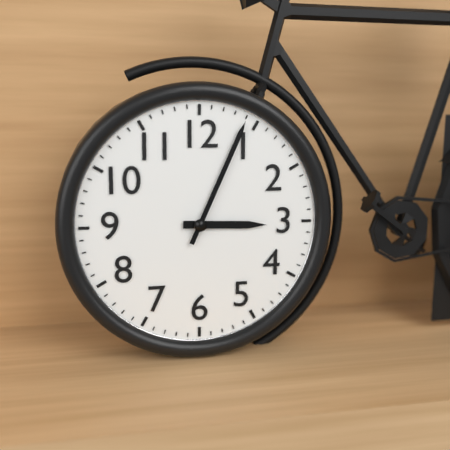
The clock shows 3:04
